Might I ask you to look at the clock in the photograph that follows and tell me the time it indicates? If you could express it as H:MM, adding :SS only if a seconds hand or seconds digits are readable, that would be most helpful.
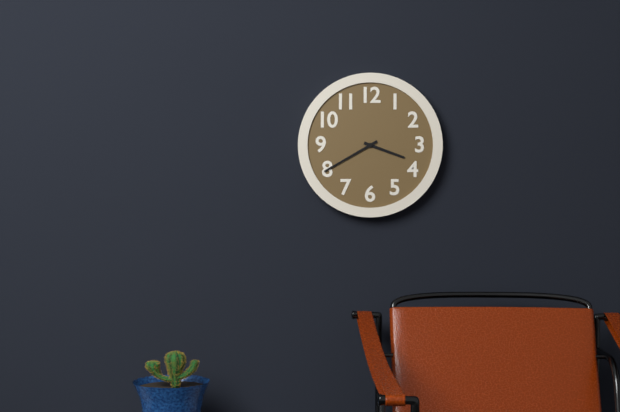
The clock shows 3:40
